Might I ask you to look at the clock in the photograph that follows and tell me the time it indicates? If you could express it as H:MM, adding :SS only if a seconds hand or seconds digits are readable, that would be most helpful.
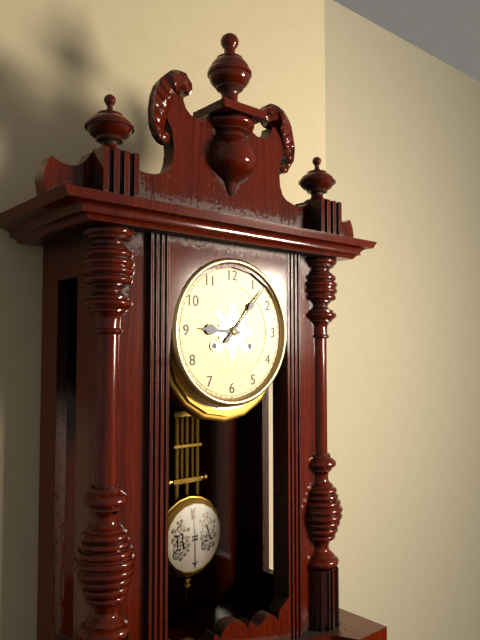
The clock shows 9:07
